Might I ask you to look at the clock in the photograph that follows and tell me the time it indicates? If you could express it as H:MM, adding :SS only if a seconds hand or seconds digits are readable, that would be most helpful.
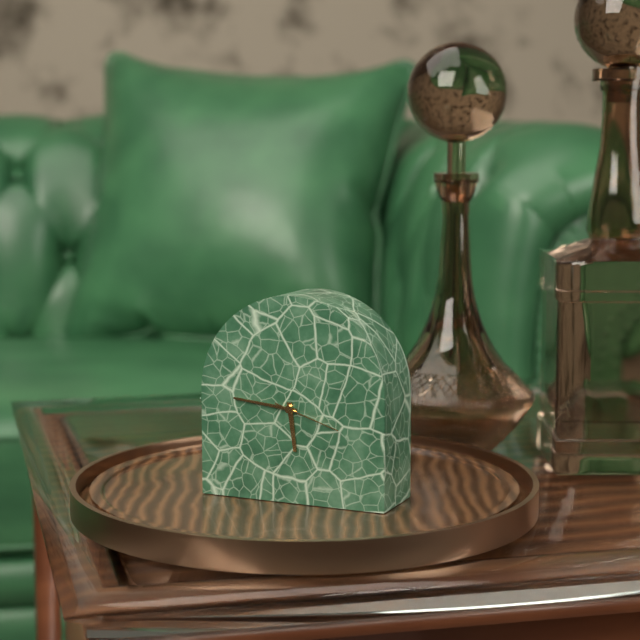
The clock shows 5:46:18
